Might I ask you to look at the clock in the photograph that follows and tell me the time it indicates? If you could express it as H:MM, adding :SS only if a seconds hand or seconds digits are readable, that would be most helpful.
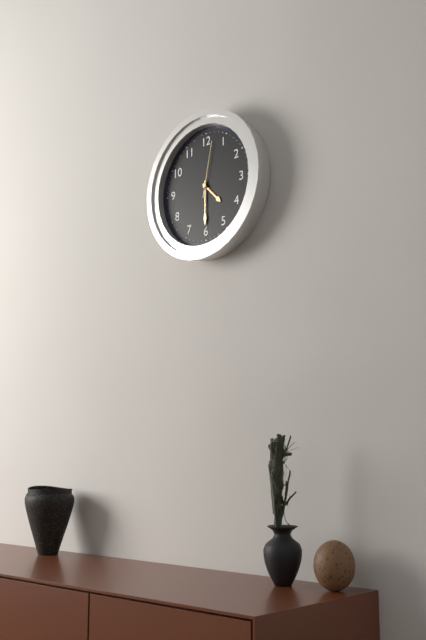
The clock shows 4:30:02
